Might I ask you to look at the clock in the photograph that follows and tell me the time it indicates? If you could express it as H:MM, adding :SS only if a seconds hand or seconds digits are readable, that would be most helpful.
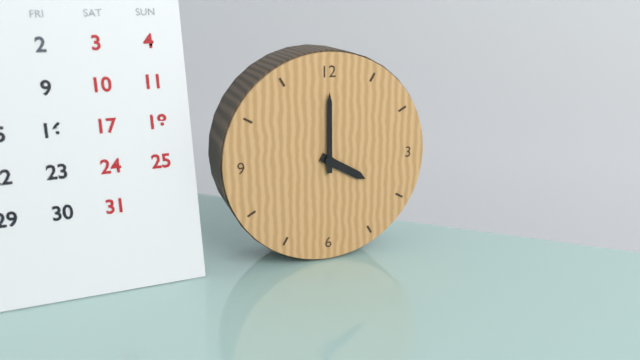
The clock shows 4:00
